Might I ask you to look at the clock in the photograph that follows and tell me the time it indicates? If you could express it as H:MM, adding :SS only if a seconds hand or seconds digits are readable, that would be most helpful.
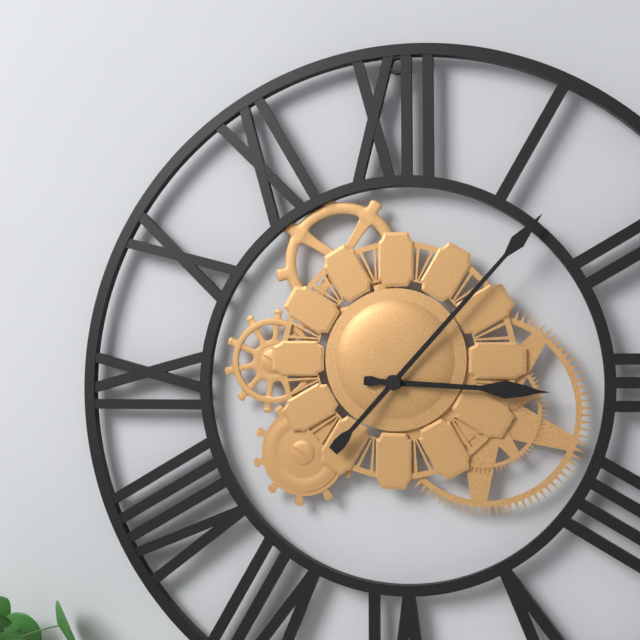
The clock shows 3:07
